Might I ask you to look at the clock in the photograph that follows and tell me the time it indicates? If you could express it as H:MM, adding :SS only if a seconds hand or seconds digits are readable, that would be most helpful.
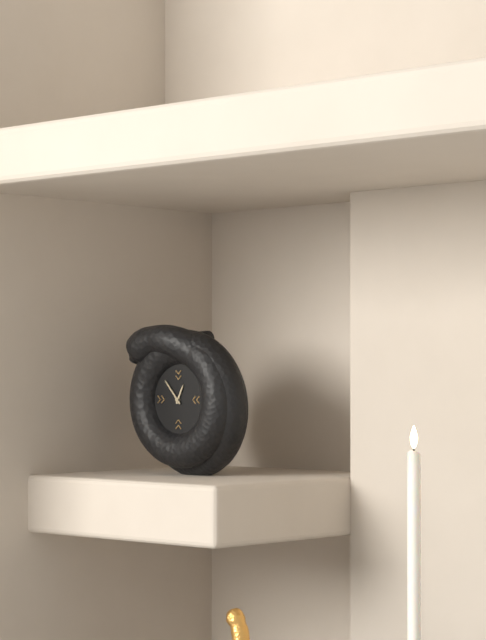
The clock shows 12:53
